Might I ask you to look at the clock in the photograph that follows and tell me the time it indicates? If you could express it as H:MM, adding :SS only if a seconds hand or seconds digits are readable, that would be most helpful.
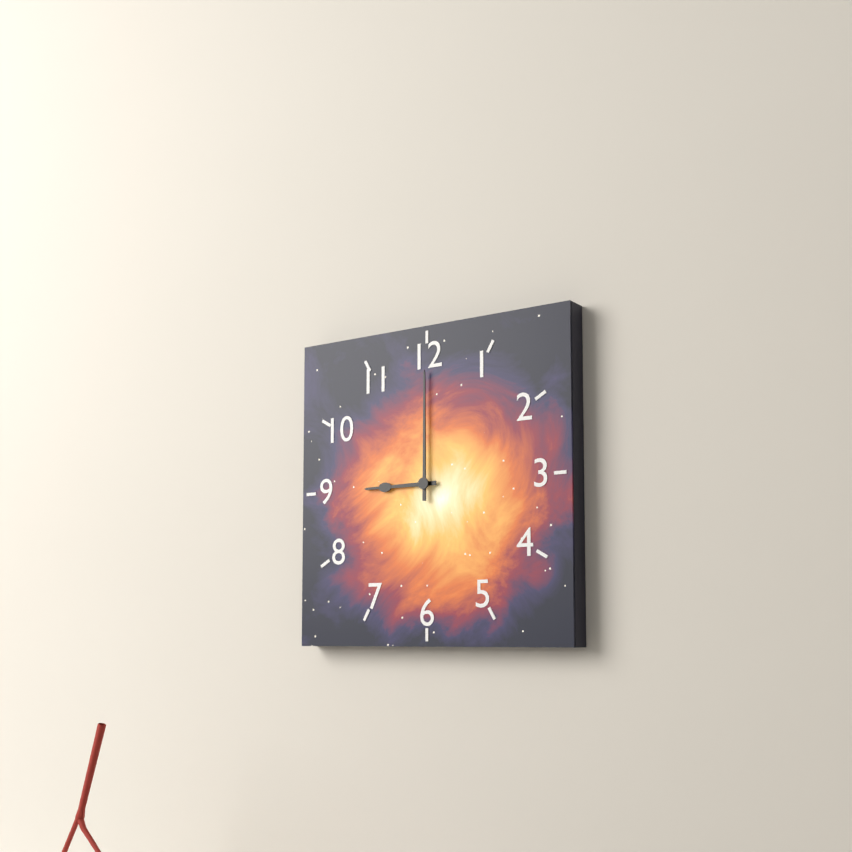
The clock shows 9:00
